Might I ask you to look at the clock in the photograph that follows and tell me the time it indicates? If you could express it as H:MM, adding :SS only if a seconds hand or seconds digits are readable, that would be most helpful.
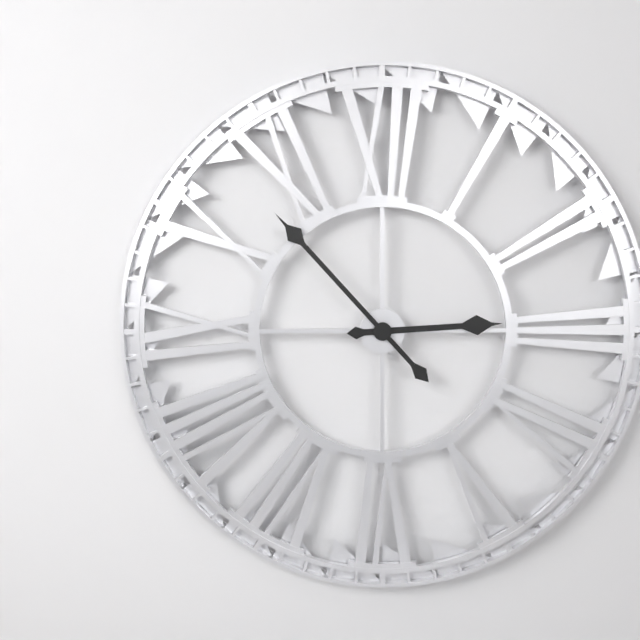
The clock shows 2:53
